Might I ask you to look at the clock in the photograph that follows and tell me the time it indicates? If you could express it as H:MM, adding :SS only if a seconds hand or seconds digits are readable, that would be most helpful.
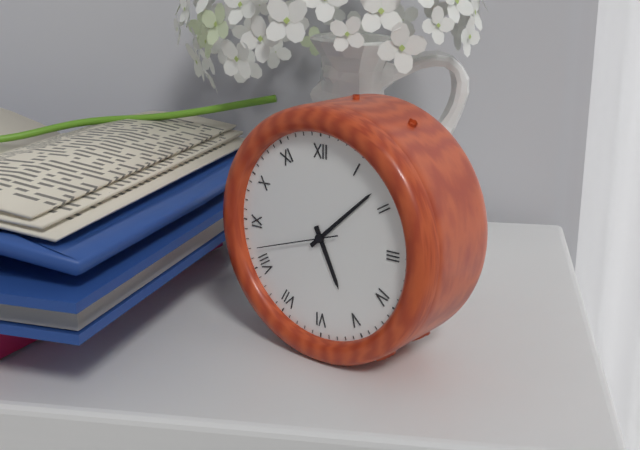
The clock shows 5:08:42
